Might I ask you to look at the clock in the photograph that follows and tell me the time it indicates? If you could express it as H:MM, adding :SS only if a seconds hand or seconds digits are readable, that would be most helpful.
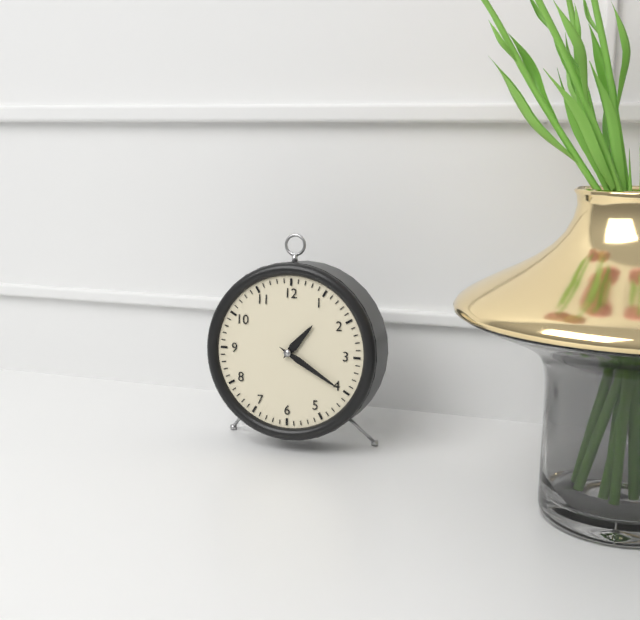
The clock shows 1:20
